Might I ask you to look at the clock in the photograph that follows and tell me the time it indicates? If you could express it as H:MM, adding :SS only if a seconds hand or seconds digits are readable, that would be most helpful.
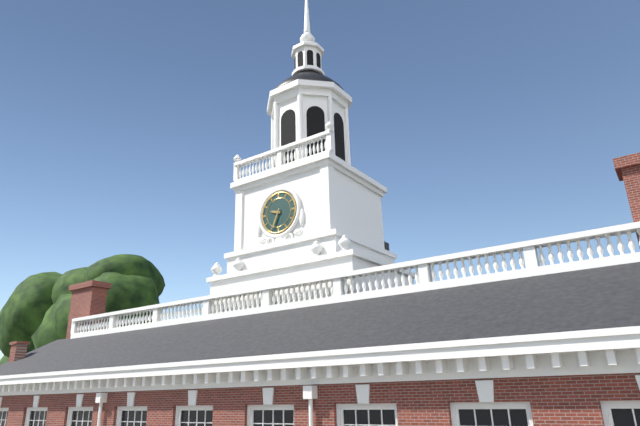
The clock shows 9:34
